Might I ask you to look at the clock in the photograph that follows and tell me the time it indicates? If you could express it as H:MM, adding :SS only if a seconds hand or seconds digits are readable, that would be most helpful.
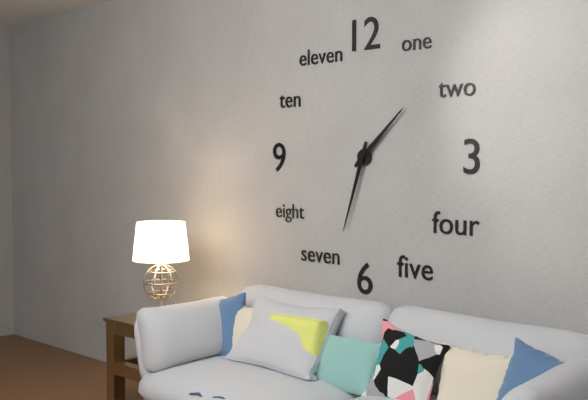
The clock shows 1:33
